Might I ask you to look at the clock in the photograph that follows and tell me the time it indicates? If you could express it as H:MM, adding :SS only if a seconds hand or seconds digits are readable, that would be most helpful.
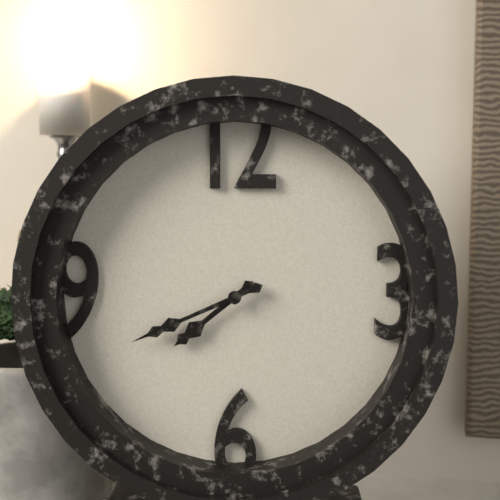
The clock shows 7:41
